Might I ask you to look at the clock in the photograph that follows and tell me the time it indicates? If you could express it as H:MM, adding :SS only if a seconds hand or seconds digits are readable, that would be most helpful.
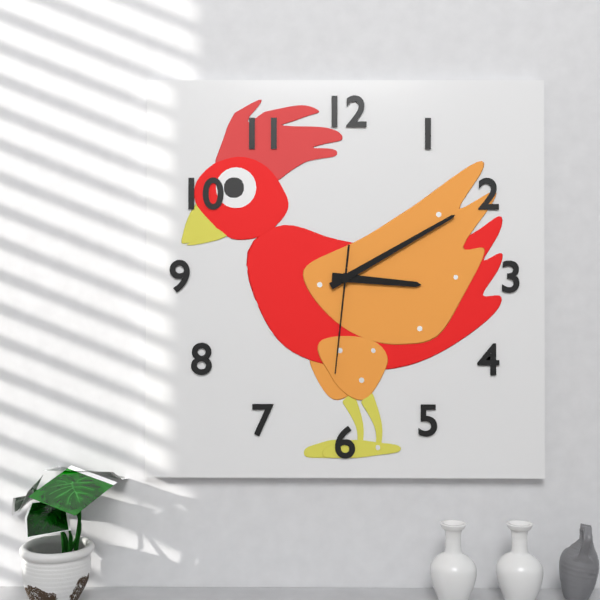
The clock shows 3:10:31
